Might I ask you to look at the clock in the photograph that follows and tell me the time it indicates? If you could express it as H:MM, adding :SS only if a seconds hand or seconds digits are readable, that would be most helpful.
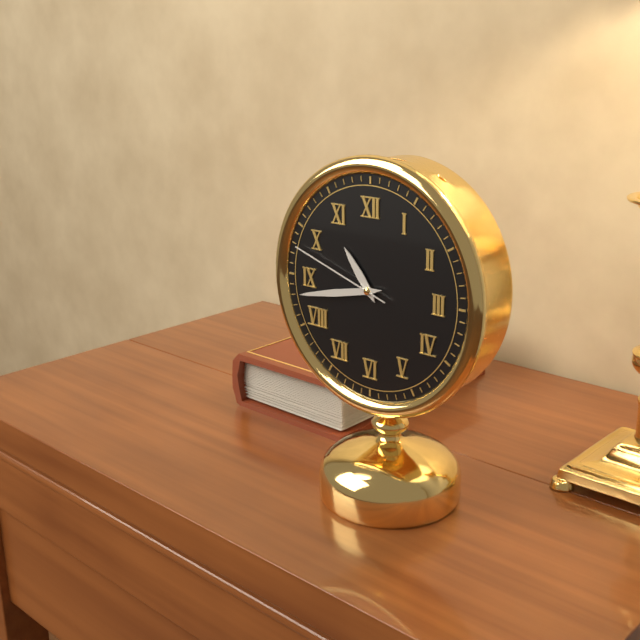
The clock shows 10:43:48
